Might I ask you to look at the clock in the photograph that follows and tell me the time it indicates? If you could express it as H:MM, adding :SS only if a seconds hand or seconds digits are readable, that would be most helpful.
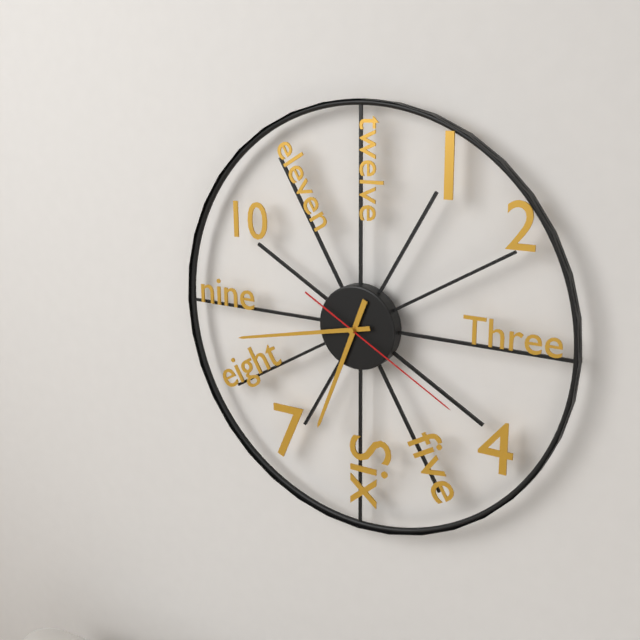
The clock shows 6:43:20
